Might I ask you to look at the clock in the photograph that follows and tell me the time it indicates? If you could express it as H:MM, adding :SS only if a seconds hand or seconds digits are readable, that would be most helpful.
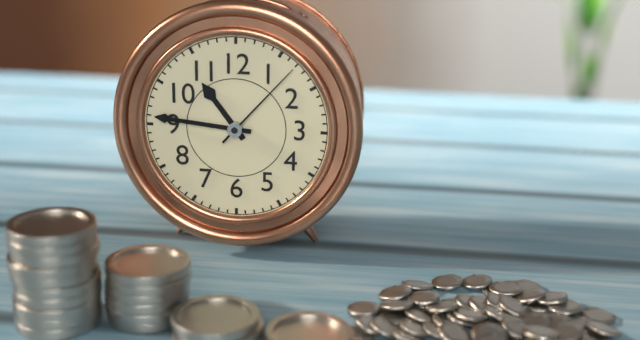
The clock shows 10:46:07
